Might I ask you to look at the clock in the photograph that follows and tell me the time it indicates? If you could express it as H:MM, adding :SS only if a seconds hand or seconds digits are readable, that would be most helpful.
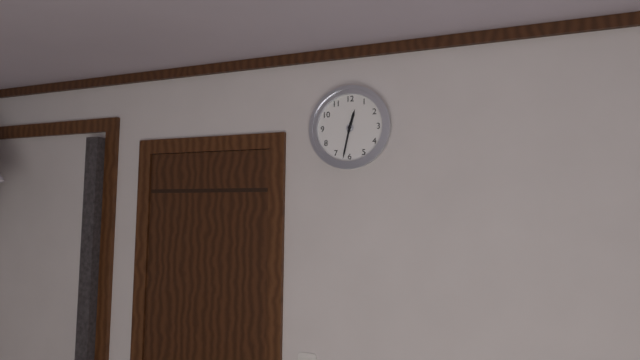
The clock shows 12:32
